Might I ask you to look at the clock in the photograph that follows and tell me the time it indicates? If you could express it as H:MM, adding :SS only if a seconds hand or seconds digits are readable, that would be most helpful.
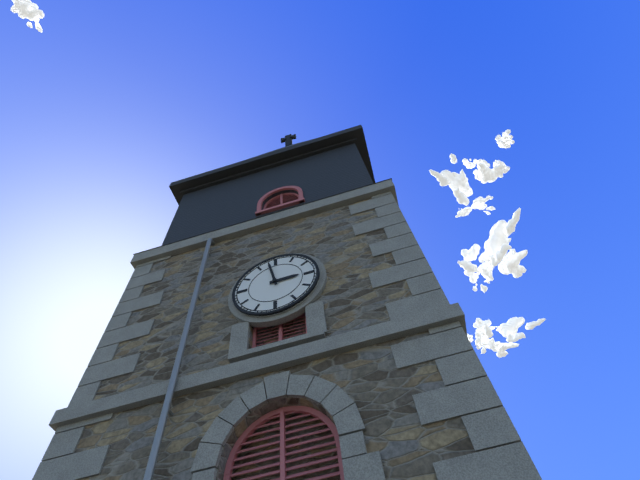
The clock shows 2:58
